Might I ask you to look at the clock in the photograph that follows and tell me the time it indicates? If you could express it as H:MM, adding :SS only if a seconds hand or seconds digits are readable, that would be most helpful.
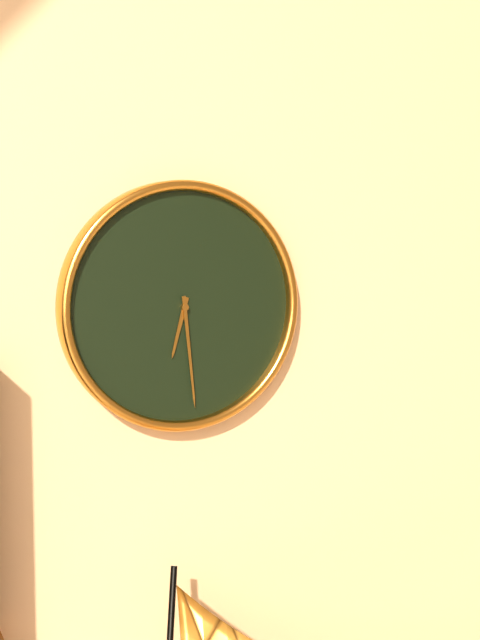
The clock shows 6:29
